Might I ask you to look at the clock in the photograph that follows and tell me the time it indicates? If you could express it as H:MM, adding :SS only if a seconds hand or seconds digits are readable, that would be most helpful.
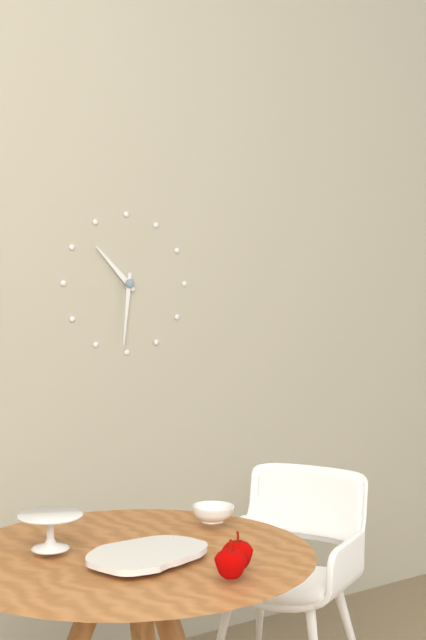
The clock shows 10:31
